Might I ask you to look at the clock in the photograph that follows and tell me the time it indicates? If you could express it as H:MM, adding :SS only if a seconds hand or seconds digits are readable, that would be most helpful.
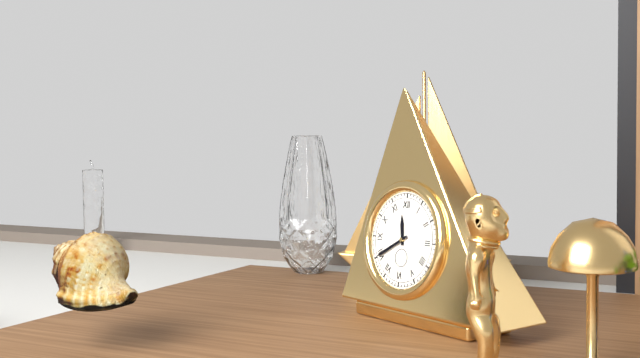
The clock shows 11:40
